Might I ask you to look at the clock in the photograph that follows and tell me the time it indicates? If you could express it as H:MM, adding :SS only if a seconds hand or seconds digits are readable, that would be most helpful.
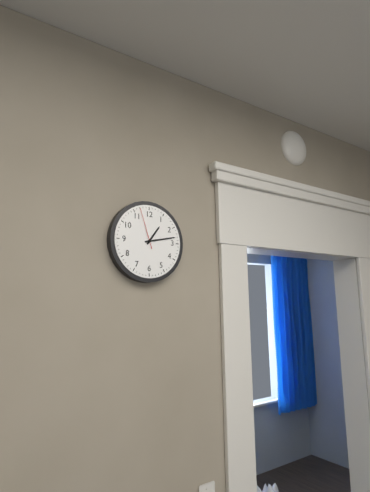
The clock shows 1:13
